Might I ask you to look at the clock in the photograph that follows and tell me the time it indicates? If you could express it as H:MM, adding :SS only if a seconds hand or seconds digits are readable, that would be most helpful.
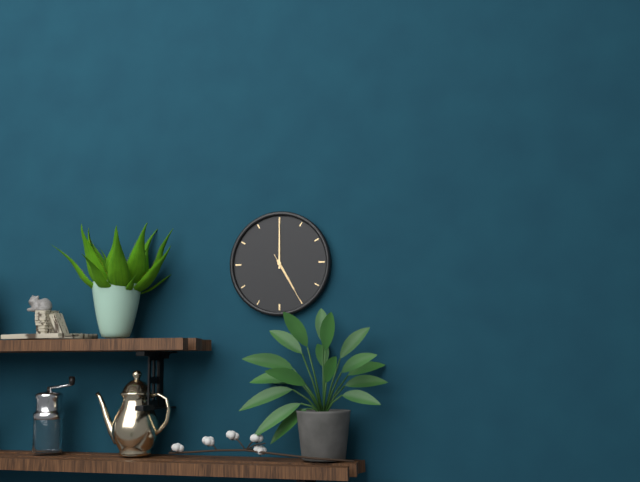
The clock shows 5:00:25
